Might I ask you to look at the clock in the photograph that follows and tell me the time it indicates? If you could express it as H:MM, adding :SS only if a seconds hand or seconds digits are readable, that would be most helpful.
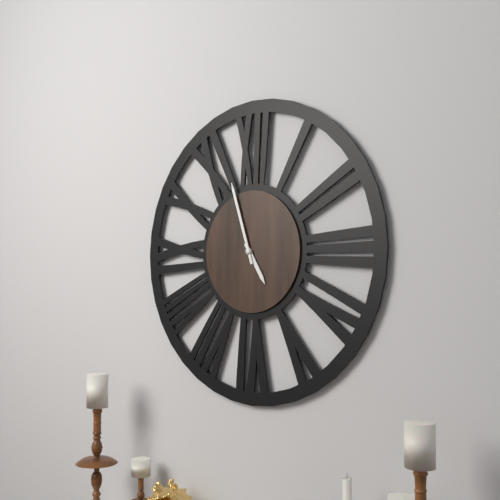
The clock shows 4:57
